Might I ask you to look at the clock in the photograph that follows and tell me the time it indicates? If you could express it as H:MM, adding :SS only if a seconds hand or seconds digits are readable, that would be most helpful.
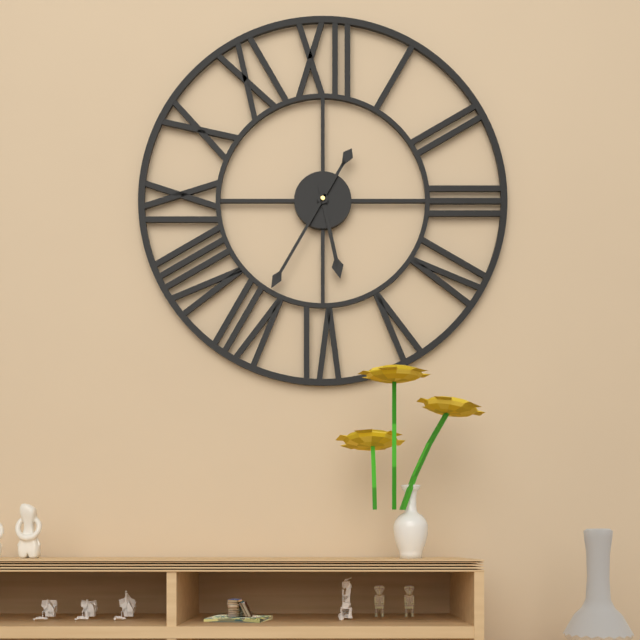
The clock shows 5:35
